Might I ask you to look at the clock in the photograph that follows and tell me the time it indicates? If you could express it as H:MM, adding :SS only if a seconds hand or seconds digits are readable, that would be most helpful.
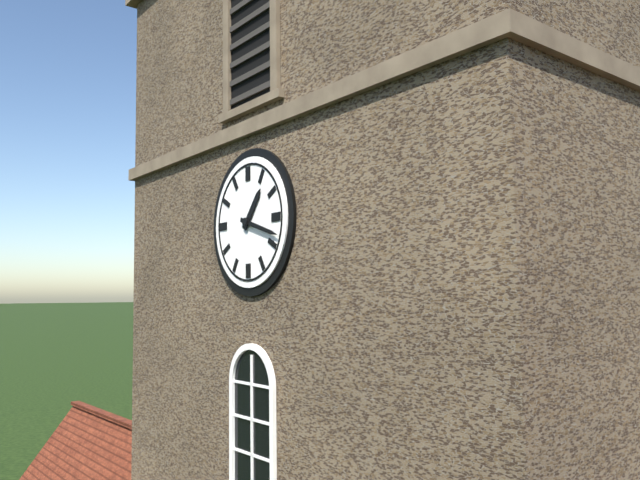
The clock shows 1:18
